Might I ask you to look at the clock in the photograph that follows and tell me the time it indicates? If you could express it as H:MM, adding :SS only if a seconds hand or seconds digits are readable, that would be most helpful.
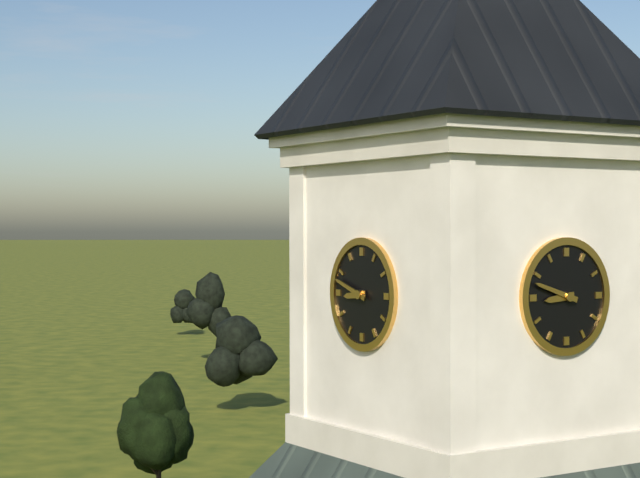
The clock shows 8:48
